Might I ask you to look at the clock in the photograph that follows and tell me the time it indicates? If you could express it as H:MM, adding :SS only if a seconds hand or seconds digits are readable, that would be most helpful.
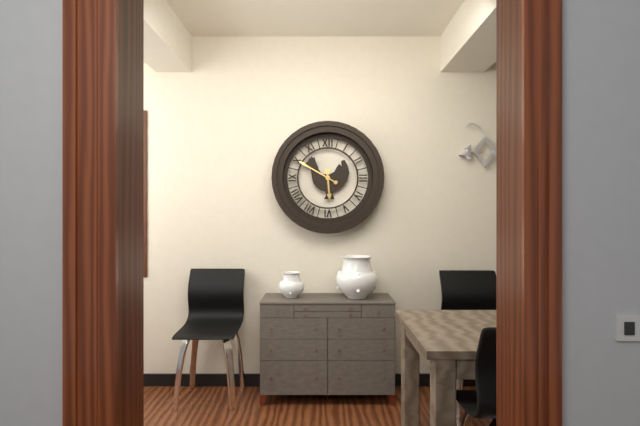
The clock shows 5:50
